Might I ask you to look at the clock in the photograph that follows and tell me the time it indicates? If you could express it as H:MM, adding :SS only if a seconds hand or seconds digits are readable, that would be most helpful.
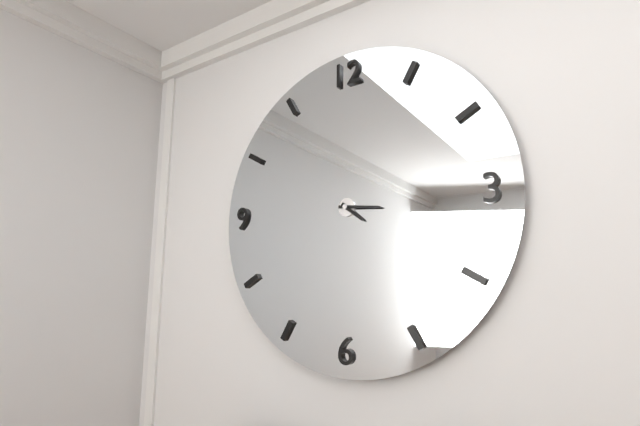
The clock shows 4:16
